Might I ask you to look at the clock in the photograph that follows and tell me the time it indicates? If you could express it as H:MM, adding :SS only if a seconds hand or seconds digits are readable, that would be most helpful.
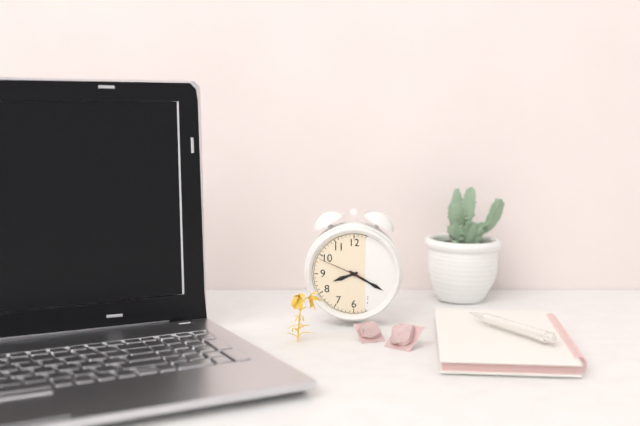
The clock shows 8:20
